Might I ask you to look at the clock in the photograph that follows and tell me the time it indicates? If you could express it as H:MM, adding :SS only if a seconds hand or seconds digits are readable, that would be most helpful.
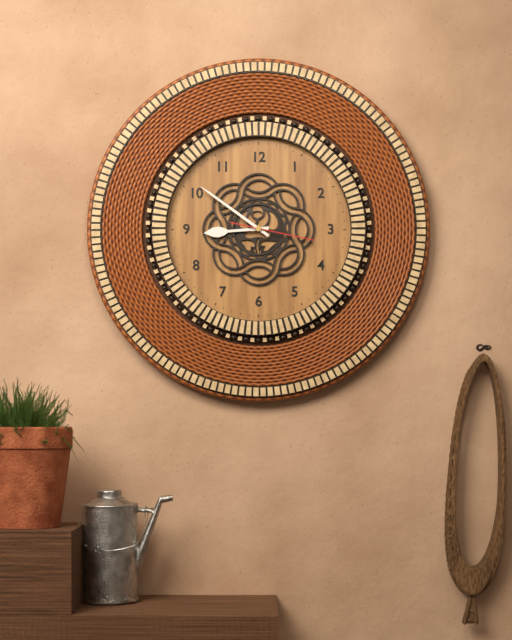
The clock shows 8:51:17
